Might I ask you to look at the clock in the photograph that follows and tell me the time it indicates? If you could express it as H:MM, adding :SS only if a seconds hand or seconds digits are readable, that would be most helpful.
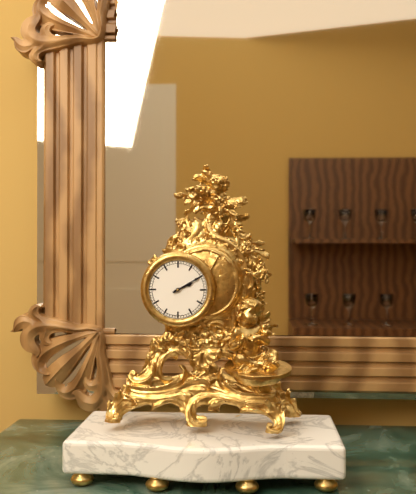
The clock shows 2:10
